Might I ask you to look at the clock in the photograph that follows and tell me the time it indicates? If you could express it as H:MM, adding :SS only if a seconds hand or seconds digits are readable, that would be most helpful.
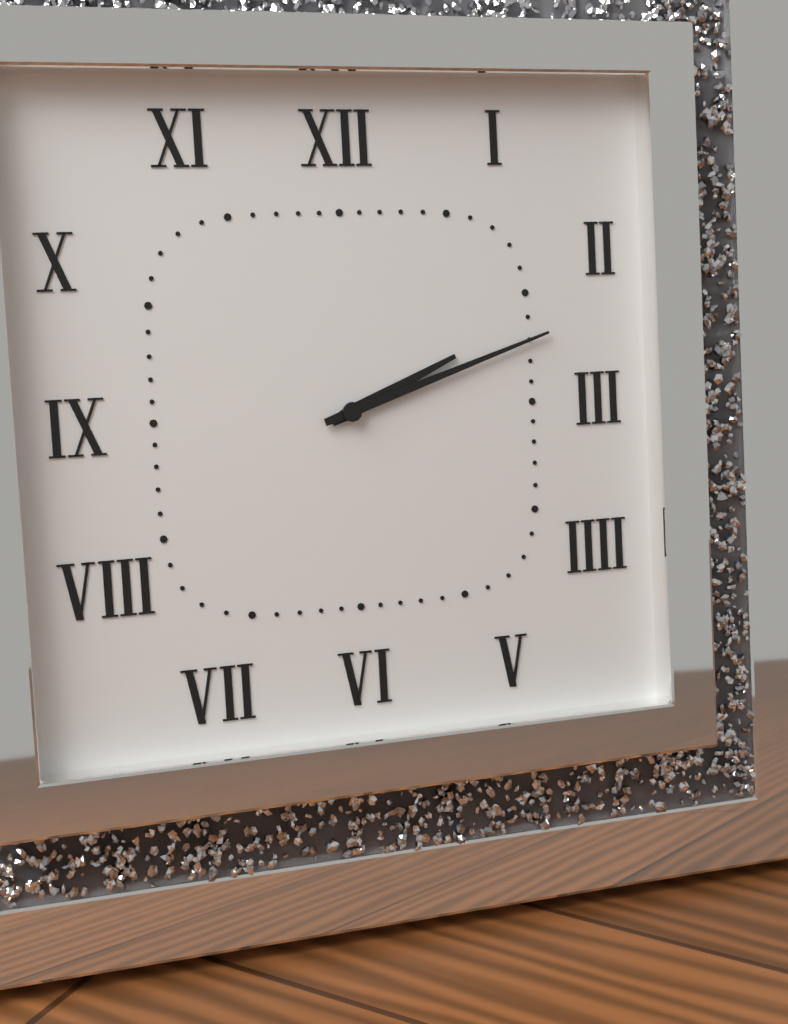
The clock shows 2:12
